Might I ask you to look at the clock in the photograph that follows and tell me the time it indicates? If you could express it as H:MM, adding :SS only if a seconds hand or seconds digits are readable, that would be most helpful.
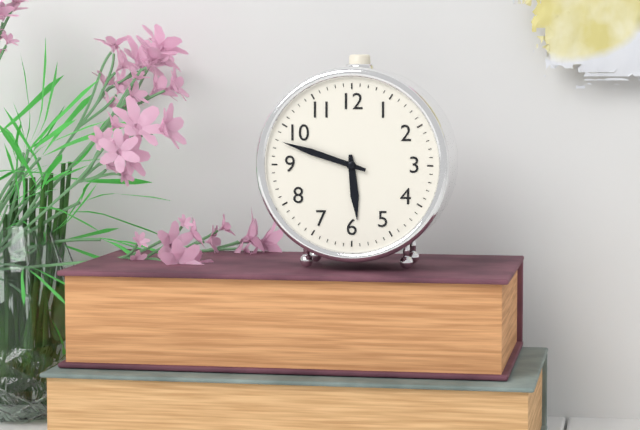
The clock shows 5:48
